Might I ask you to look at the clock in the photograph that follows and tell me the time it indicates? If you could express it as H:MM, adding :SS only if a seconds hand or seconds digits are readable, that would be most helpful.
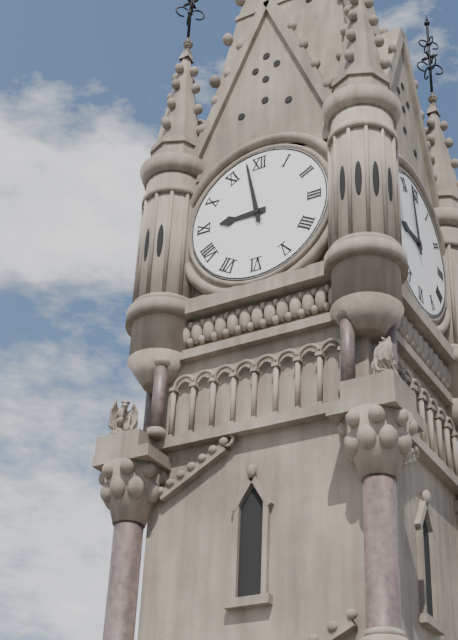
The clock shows 8:58
